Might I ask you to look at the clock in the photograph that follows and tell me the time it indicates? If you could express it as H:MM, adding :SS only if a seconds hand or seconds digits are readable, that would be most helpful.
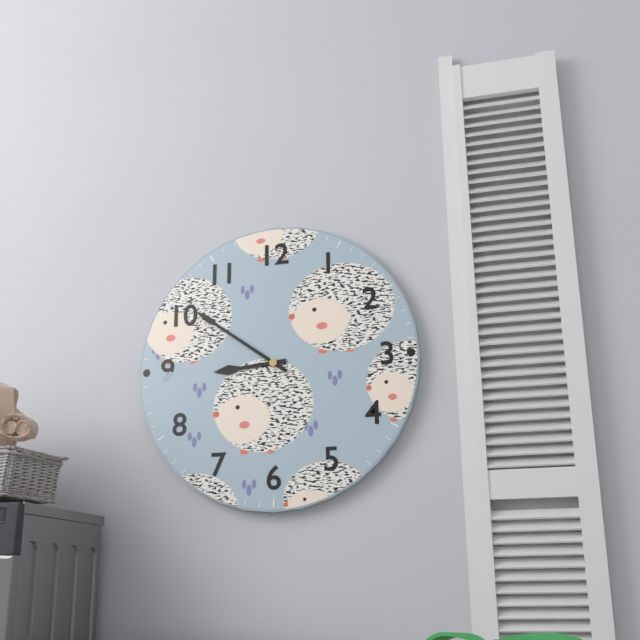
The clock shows 8:51
